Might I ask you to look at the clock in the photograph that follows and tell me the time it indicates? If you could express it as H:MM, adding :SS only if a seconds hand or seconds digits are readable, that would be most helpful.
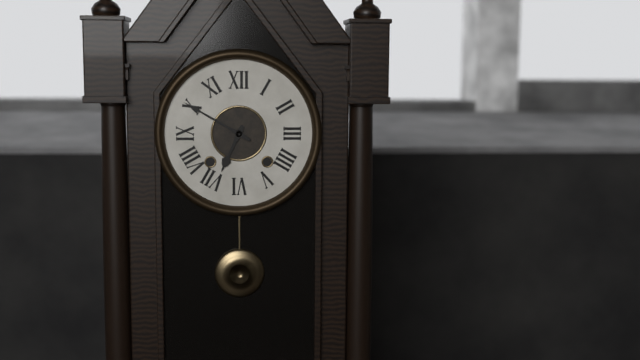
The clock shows 6:50
